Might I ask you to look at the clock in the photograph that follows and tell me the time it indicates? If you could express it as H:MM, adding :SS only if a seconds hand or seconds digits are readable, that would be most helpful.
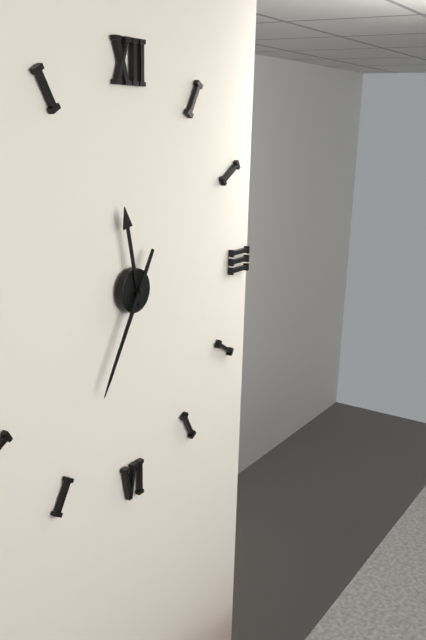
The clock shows 11:35
